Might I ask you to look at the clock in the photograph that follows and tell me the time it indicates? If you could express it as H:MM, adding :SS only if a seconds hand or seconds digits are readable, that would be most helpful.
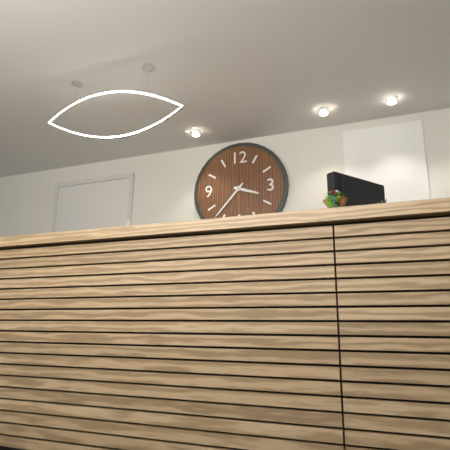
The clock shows 3:37
